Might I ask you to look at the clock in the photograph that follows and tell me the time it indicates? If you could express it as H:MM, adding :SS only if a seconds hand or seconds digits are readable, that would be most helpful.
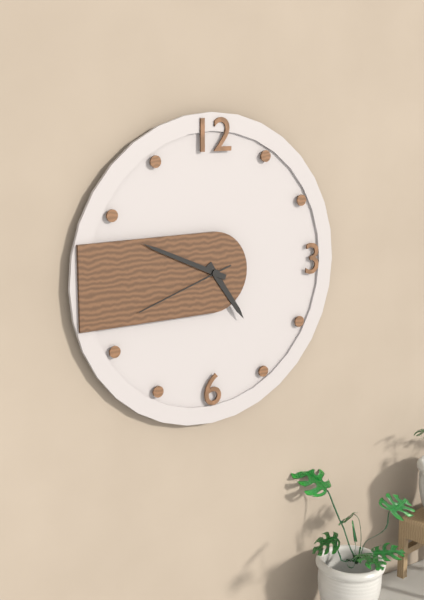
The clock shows 4:49:42
